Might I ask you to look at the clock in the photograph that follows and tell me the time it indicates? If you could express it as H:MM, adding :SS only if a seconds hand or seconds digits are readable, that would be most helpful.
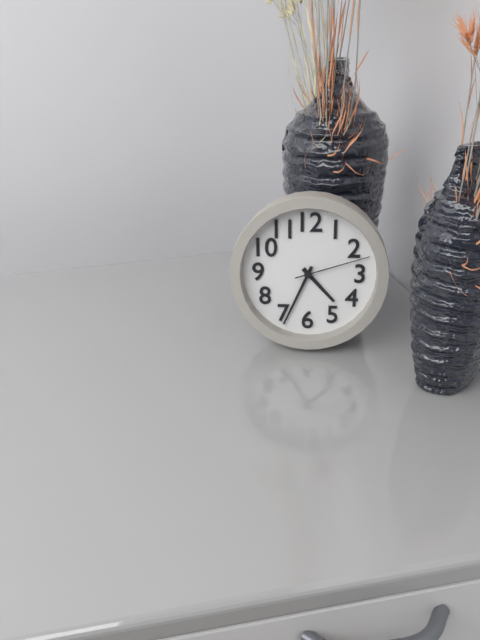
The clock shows 4:34:12
